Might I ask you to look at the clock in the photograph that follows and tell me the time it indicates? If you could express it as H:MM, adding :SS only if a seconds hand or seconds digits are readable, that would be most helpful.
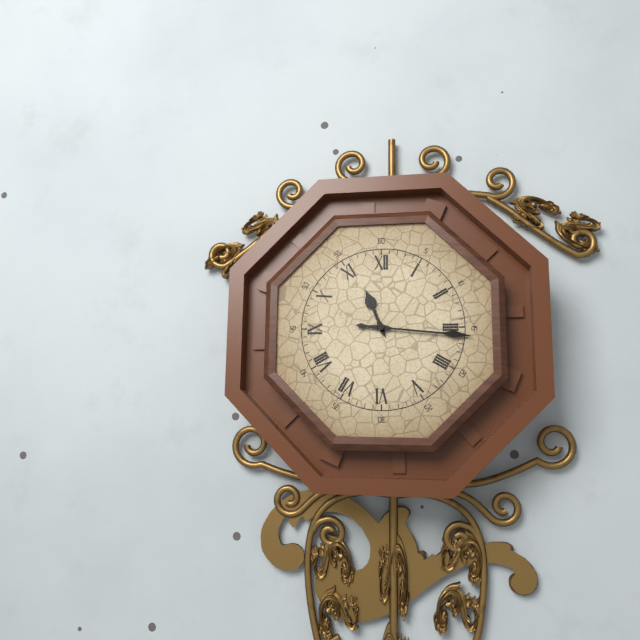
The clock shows 11:16
